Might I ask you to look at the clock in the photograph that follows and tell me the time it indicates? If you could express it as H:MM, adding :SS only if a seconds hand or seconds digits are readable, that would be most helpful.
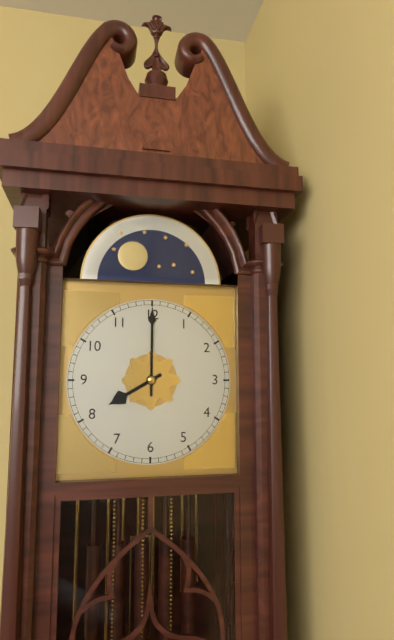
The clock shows 8:00
